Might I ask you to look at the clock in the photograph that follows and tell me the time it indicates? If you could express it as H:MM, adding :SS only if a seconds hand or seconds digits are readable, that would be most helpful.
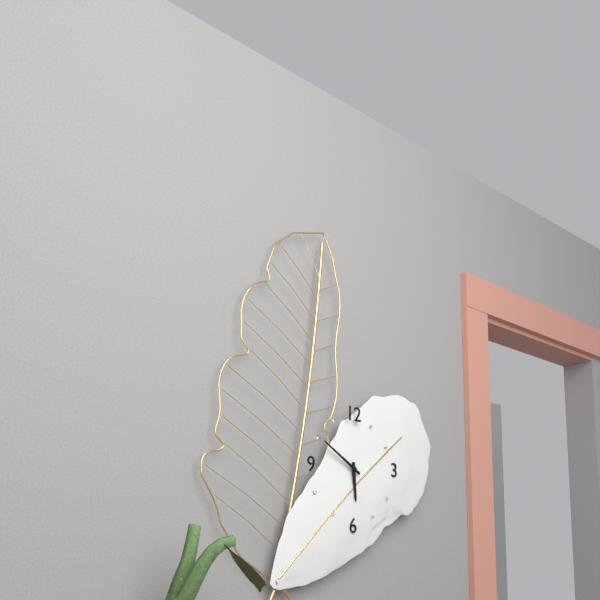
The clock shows 5:50
